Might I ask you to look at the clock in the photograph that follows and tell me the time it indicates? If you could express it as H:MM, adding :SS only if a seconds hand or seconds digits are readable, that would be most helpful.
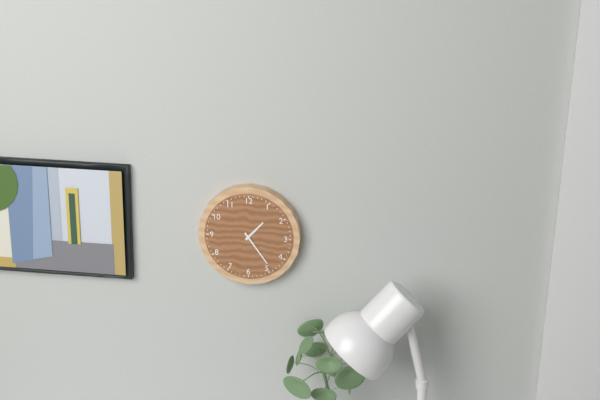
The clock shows 1:24
